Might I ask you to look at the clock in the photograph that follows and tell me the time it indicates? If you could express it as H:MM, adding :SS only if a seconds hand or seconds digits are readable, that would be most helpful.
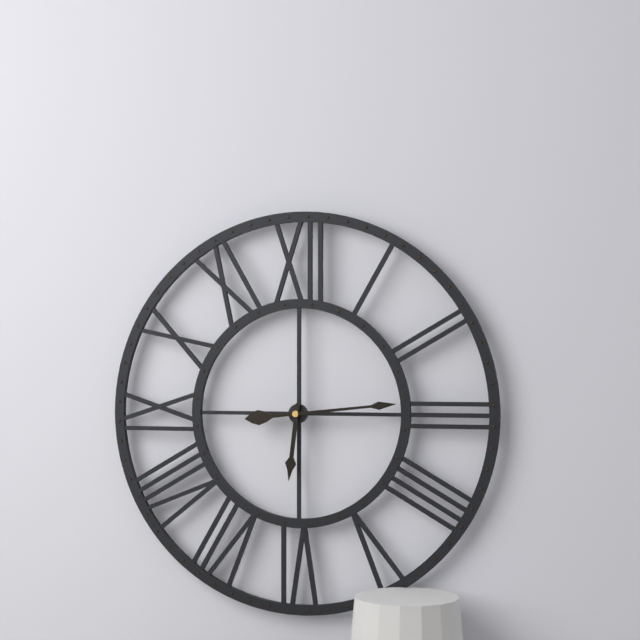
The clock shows 6:14
